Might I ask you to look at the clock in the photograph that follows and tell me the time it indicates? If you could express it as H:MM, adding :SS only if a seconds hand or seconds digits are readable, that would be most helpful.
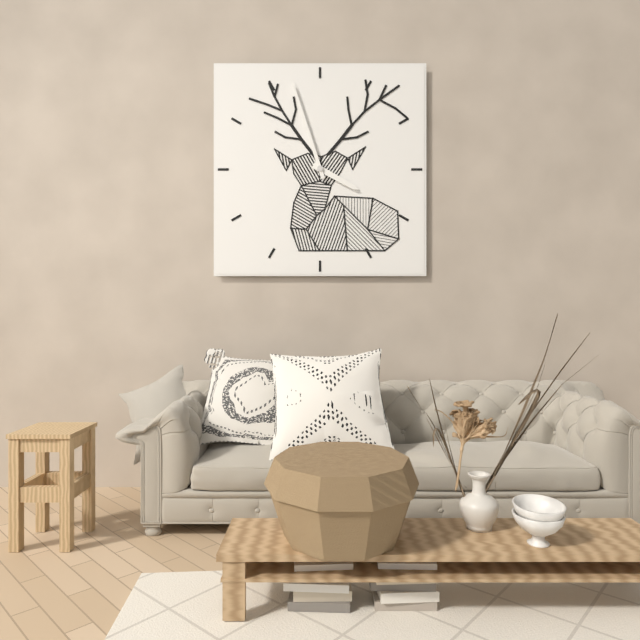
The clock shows 3:57
